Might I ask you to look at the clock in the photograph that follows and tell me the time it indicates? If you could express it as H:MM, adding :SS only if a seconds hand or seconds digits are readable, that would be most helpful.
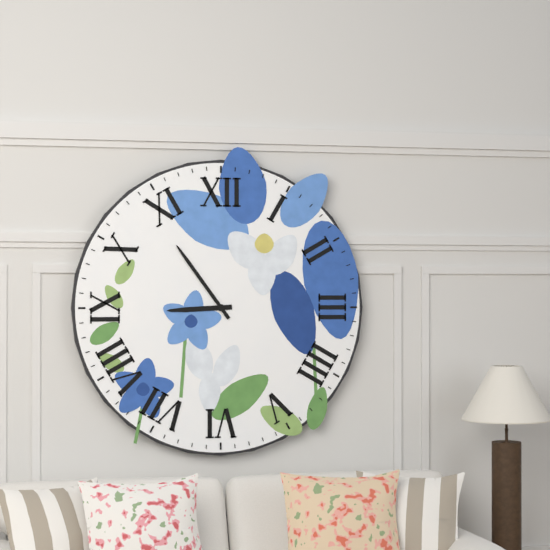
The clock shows 8:54
